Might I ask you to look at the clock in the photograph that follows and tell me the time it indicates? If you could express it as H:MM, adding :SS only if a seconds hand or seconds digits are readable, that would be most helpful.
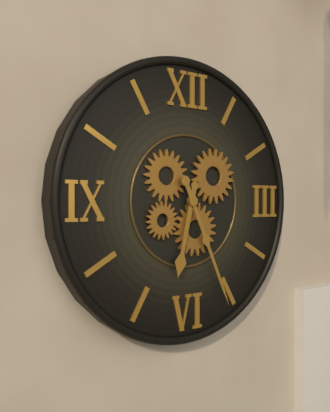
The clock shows 6:26
